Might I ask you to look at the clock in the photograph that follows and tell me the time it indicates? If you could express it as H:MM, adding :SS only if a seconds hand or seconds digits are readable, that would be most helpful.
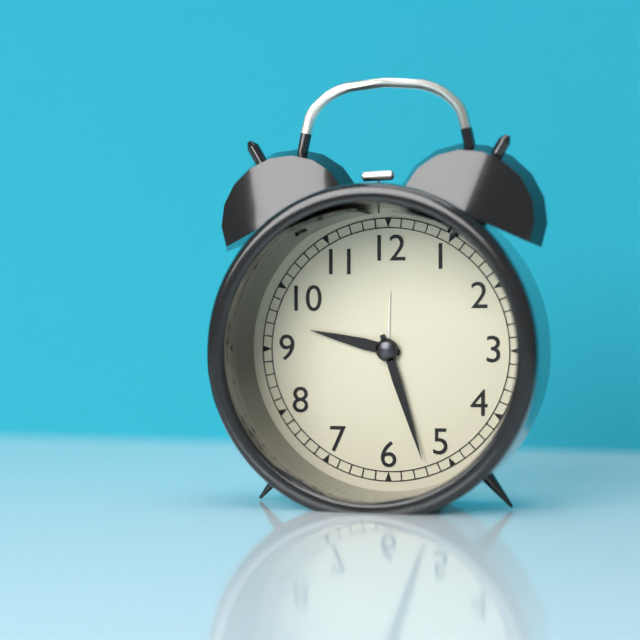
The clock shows 9:27
